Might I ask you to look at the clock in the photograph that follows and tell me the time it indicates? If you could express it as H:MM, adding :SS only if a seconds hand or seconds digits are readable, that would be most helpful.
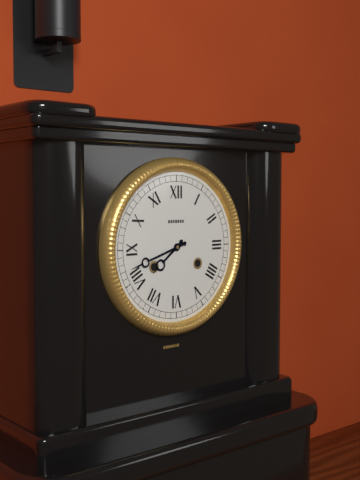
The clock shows 7:42
